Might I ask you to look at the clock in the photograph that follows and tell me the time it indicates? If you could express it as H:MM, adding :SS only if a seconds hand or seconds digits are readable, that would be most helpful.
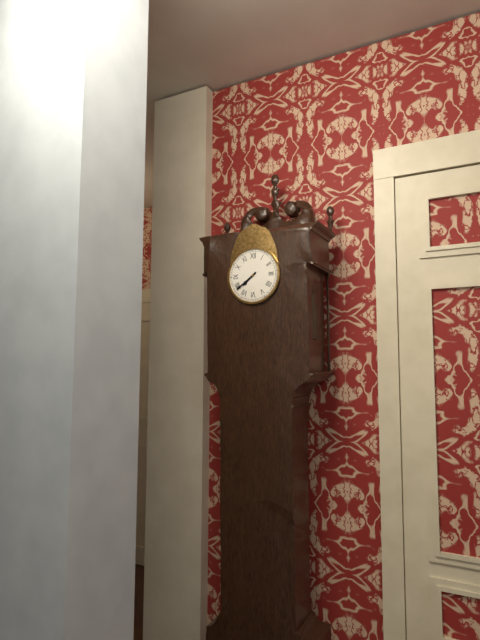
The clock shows 7:39
